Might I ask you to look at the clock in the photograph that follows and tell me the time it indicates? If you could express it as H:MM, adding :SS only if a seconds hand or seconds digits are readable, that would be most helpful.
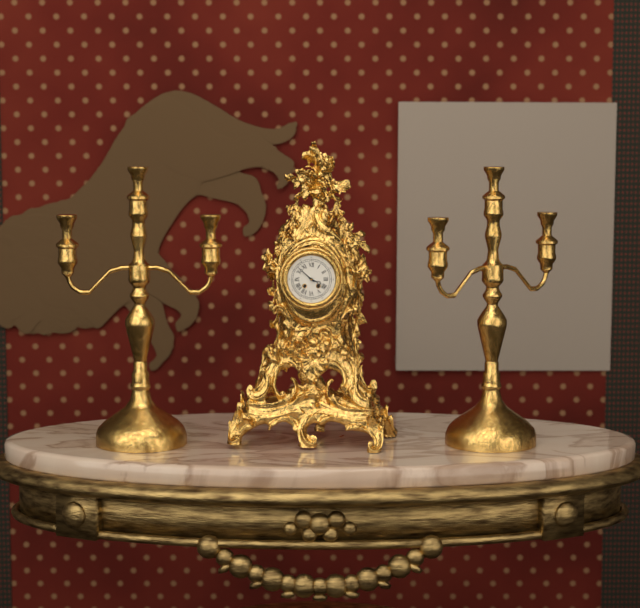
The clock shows 3:52
